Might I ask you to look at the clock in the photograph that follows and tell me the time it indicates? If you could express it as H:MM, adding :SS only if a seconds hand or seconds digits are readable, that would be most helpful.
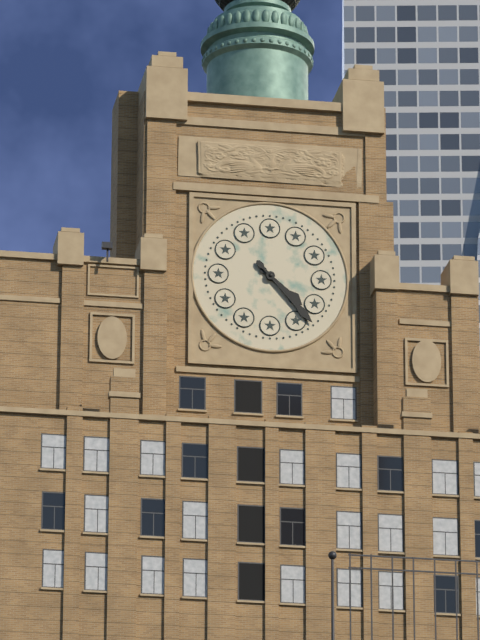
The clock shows 4:23
